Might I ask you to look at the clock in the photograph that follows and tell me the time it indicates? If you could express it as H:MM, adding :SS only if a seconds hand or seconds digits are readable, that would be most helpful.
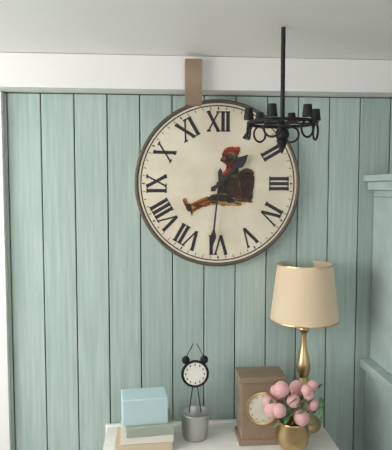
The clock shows 1:31
